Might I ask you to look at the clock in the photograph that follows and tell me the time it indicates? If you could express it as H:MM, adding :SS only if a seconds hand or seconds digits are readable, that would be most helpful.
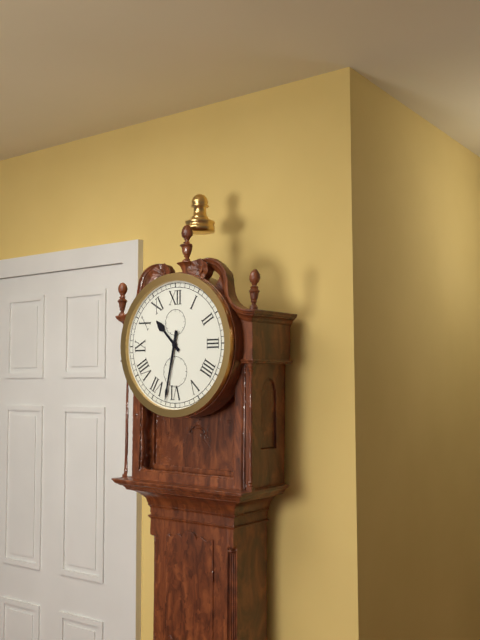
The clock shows 10:32
